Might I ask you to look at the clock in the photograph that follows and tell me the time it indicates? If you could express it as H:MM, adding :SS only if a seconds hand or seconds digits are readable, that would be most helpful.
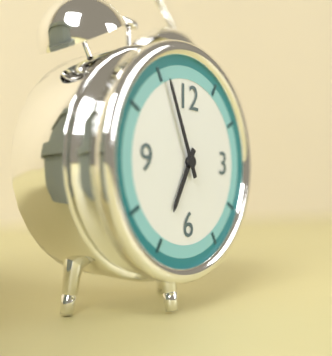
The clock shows 6:56
